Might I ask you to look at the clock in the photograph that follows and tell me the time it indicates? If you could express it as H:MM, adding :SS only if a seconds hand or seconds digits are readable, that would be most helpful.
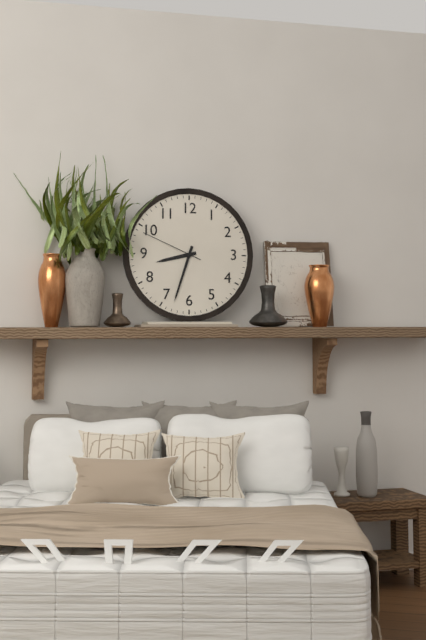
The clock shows 8:33:49
